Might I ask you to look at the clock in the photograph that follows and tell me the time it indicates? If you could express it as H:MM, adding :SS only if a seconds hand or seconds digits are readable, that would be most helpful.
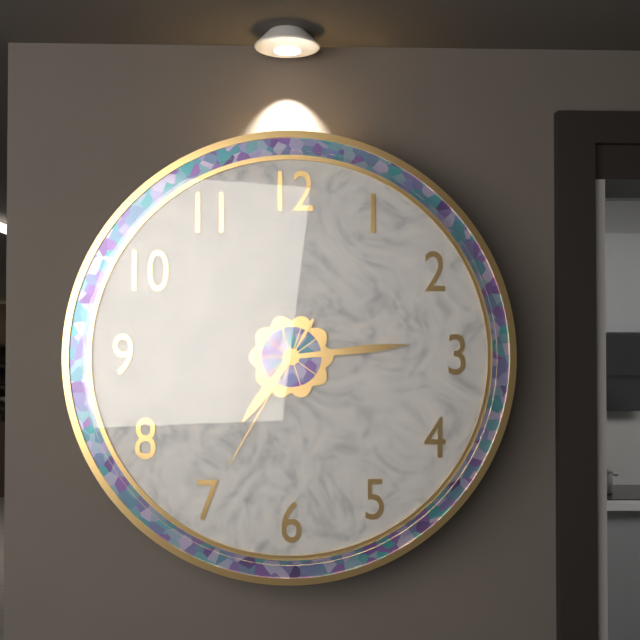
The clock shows 7:14:35
